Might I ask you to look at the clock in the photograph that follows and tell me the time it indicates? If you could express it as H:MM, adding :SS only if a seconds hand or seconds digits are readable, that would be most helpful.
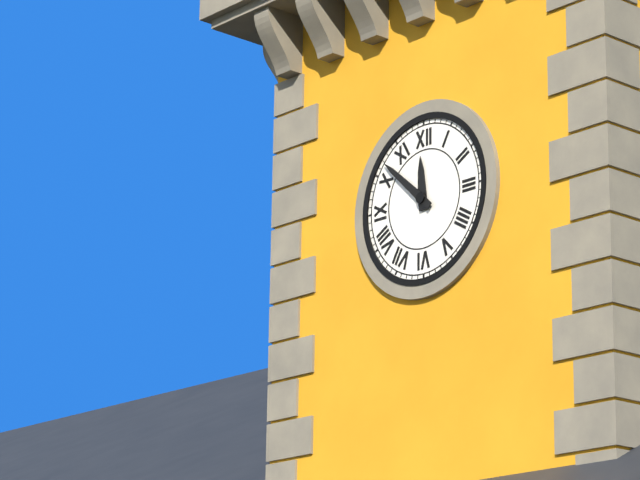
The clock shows 11:52
